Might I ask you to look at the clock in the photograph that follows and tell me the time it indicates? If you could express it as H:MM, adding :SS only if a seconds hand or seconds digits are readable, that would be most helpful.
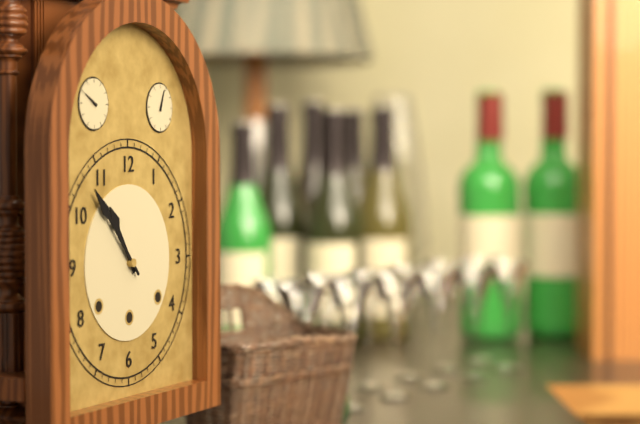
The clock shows 10:53
